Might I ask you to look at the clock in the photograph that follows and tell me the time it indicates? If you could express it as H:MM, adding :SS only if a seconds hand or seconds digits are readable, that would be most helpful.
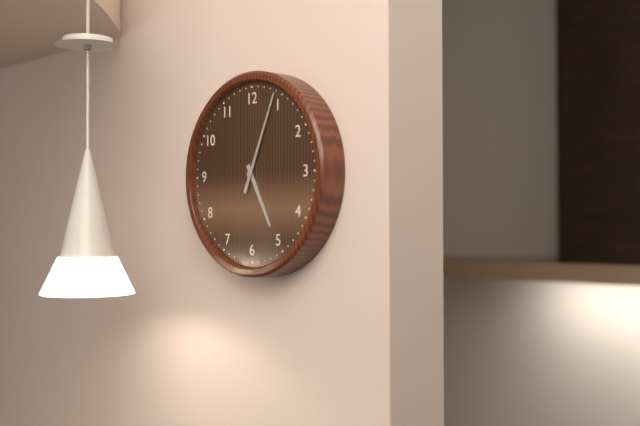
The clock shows 5:04
